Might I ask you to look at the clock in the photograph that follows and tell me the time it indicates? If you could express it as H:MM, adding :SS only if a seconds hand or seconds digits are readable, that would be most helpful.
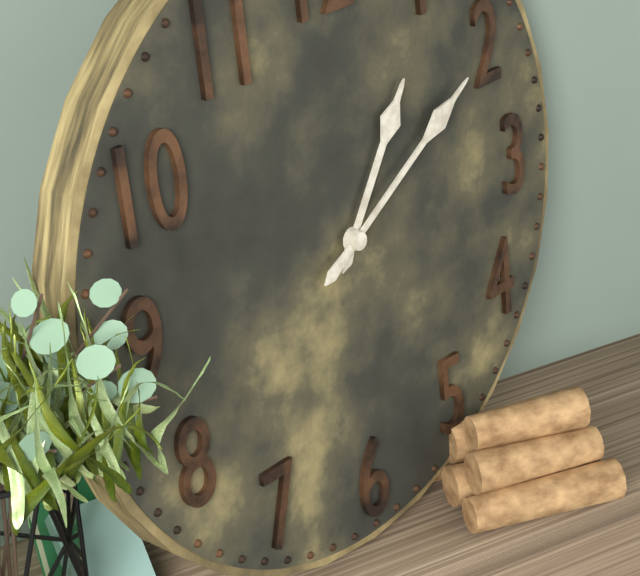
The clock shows 1:10
